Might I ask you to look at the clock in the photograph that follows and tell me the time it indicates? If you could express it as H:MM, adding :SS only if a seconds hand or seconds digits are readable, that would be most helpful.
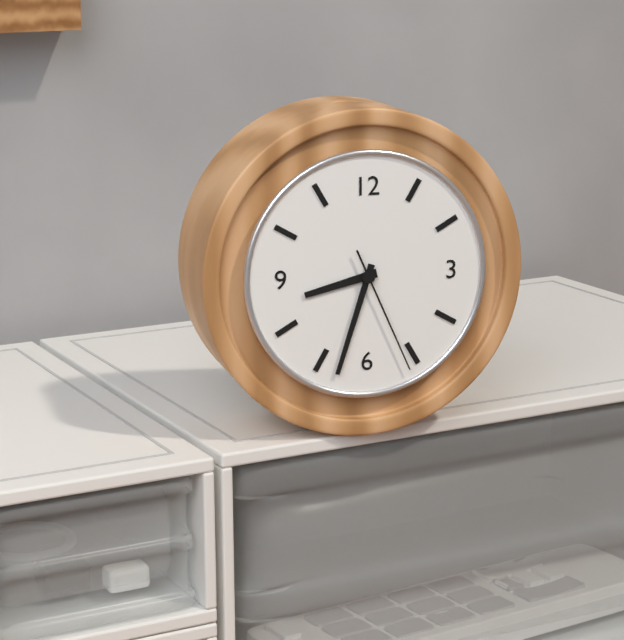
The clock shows 8:33:26
